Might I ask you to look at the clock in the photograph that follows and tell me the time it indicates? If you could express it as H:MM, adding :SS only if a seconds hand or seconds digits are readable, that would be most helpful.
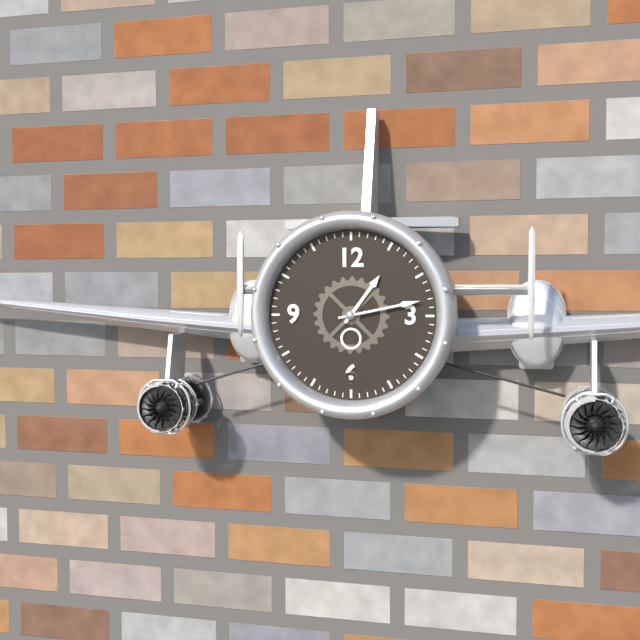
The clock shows 1:13
